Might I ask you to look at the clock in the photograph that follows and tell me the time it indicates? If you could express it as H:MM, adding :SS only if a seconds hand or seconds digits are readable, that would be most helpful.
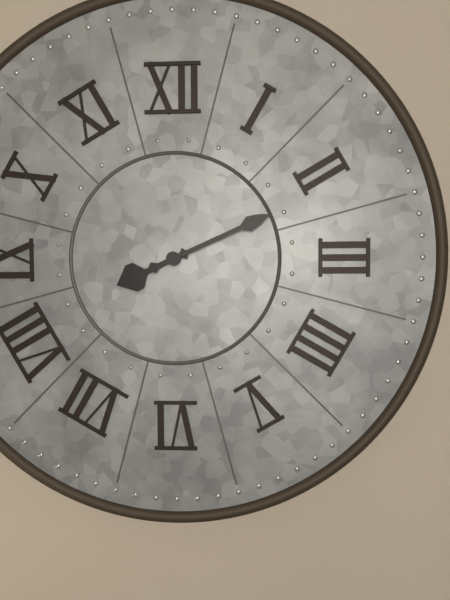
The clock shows 8:11
